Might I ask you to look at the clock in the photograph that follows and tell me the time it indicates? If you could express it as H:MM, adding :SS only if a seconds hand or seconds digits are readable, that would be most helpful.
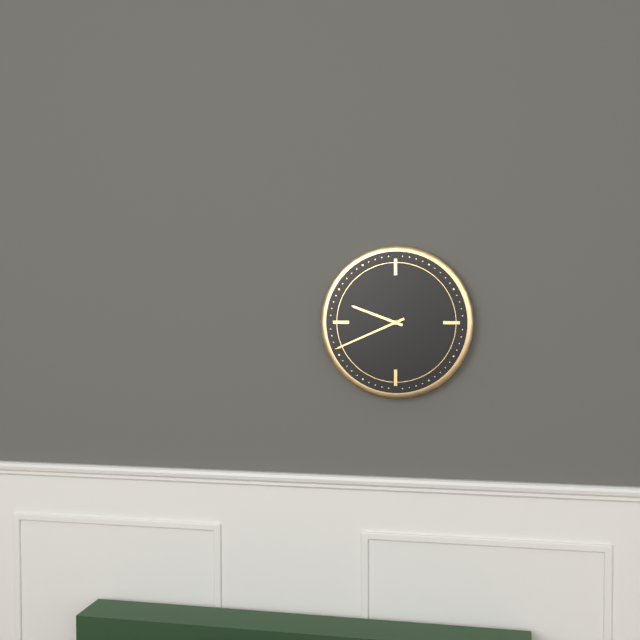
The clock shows 9:41
